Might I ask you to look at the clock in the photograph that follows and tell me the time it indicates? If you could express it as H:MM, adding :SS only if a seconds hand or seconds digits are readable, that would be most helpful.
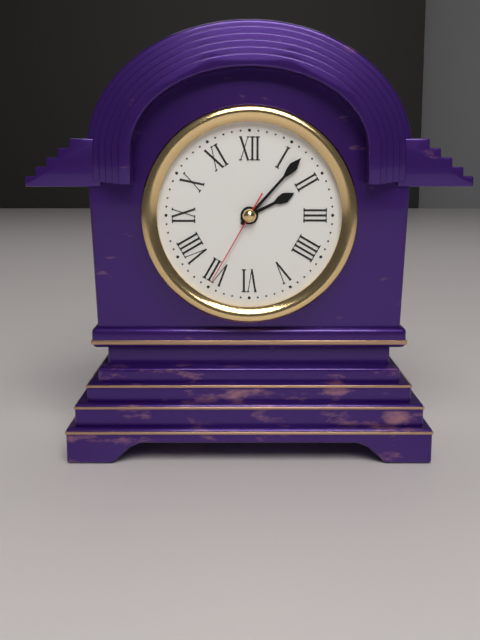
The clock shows 2:07:35
